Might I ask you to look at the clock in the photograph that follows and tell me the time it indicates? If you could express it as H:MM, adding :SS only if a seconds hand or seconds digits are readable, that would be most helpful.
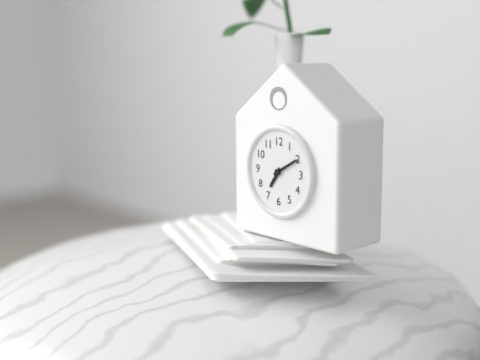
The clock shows 7:10
